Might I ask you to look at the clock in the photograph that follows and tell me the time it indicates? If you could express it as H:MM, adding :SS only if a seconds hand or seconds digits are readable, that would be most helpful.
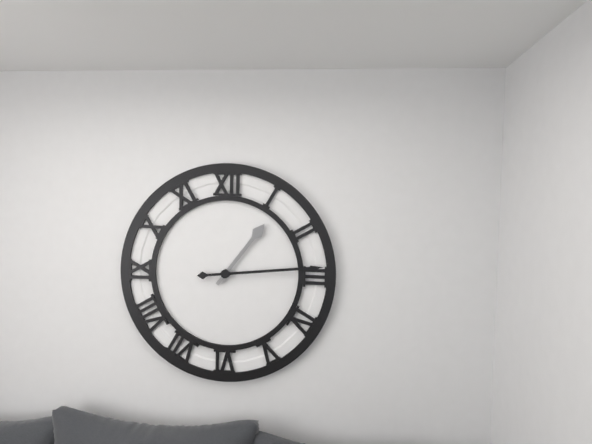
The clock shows 1:14
